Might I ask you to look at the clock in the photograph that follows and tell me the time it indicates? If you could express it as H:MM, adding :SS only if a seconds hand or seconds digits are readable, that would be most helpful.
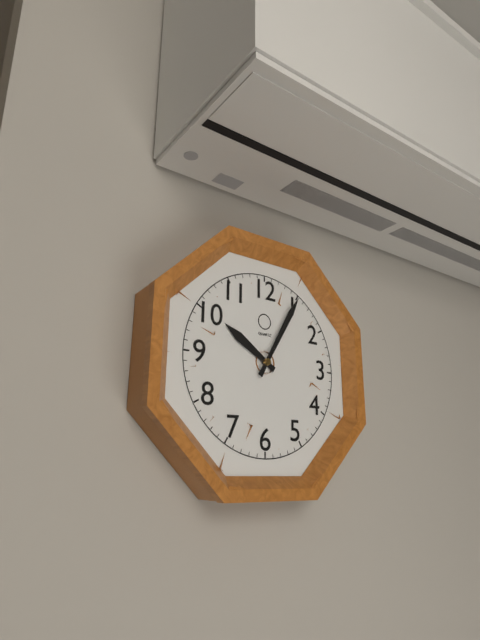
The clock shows 10:05
